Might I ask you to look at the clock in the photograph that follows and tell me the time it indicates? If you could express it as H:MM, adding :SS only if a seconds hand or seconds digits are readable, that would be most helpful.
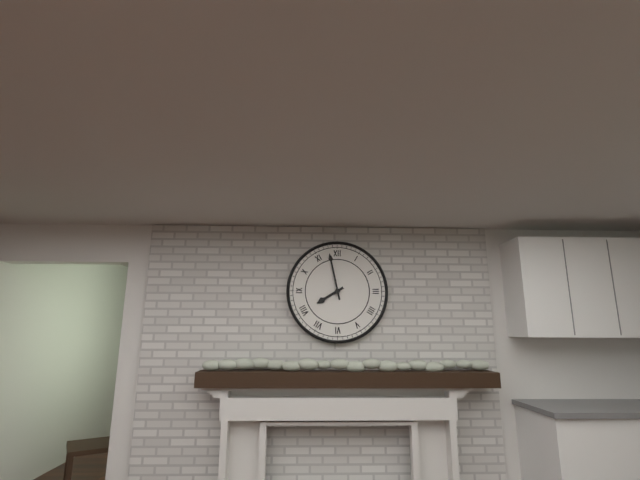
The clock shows 7:58
